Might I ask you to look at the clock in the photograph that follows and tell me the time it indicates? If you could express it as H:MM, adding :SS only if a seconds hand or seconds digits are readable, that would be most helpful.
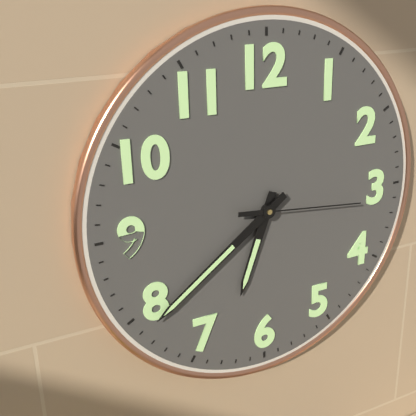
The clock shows 6:39:16
